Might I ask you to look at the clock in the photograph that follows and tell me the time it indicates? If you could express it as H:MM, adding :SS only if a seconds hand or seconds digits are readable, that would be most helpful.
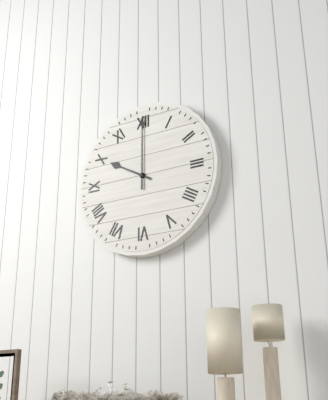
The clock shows 10:00
